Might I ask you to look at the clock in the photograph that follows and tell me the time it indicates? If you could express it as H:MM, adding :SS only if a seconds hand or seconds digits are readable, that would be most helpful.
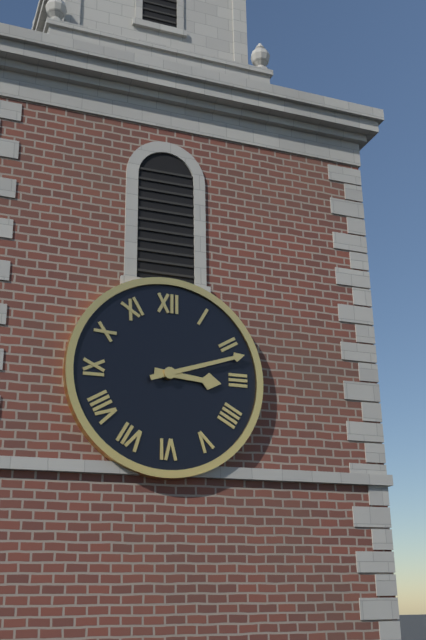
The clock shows 3:12
